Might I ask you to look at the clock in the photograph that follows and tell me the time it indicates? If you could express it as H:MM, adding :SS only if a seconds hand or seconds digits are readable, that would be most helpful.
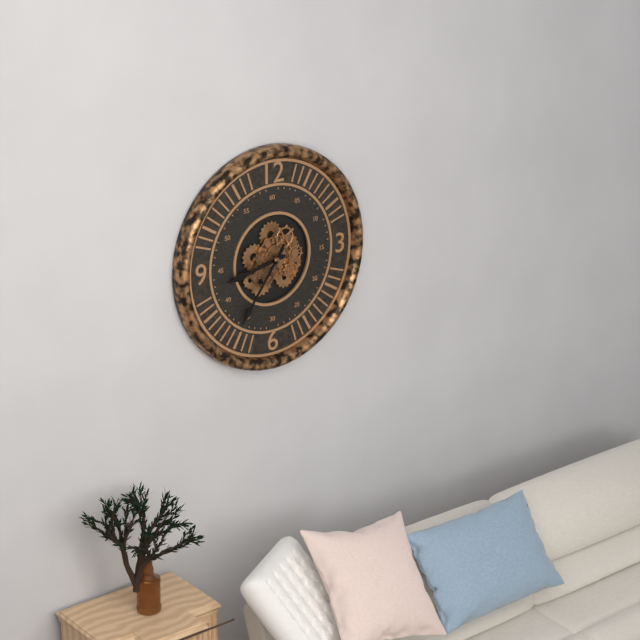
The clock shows 8:36
